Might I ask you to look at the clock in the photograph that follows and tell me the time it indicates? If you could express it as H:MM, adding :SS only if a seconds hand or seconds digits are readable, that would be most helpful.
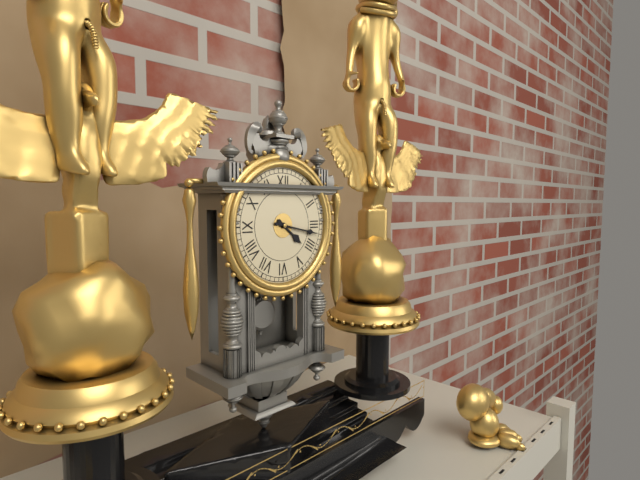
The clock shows 4:17
